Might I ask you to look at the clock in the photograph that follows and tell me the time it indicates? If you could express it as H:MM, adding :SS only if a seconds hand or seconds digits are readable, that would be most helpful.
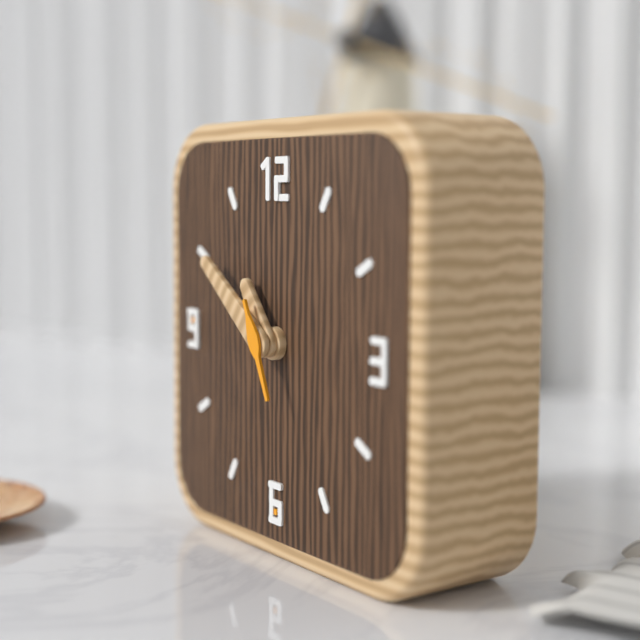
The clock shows 10:51:26
